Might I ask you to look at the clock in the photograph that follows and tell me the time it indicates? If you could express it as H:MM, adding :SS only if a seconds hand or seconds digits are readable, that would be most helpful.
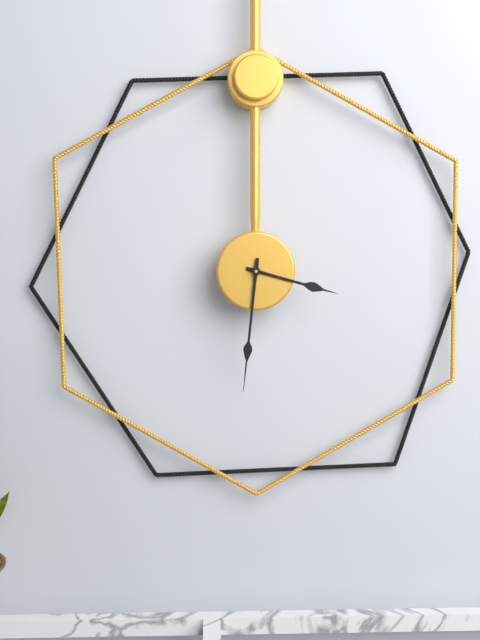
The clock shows 3:31
